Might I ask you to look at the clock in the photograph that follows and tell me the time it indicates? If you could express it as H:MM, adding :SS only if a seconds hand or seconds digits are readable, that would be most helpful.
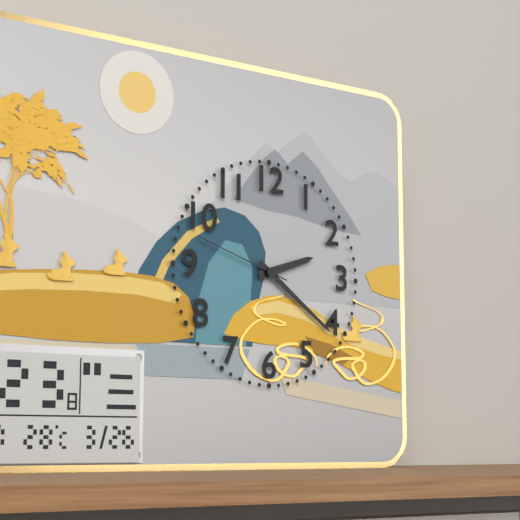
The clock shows 2:21:48
